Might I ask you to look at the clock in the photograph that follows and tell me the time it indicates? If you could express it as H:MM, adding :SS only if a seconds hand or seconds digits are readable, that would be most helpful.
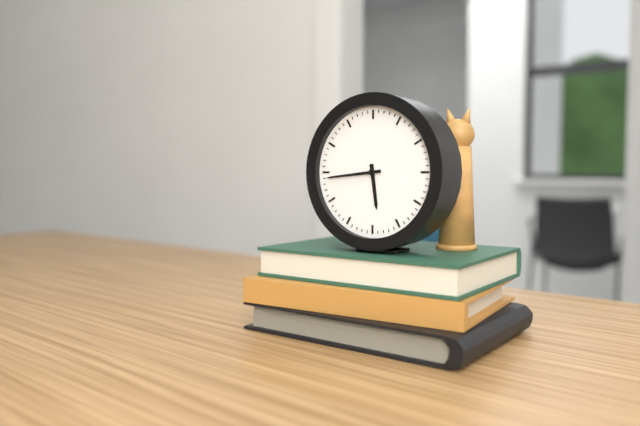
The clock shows 5:44
